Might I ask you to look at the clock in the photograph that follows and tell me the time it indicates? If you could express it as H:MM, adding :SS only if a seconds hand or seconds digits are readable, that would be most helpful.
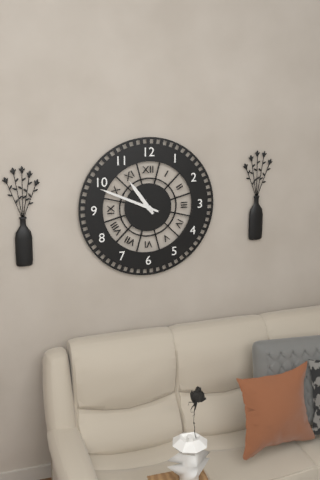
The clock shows 10:49
